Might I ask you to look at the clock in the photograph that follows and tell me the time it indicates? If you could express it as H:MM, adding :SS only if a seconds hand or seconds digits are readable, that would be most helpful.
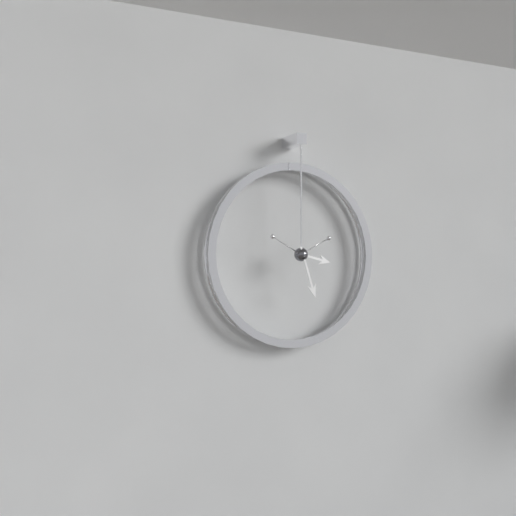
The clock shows 3:27
